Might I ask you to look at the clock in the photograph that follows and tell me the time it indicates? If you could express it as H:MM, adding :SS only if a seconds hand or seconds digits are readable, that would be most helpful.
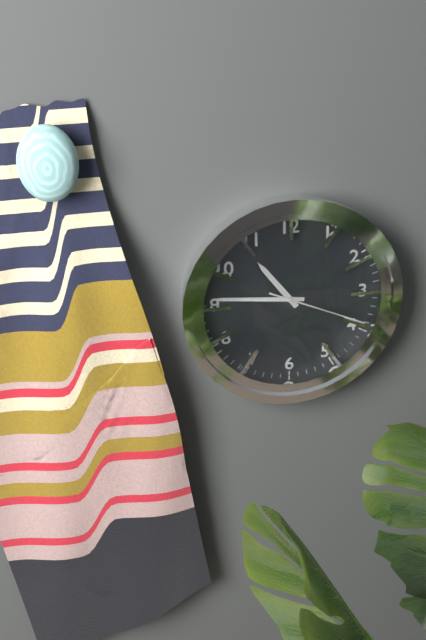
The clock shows 10:46:19
